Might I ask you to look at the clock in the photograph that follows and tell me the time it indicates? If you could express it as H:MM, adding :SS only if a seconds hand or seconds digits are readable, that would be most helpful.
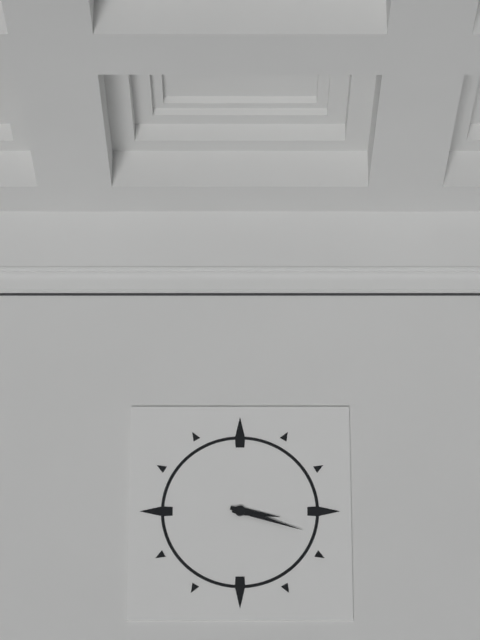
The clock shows 3:18
